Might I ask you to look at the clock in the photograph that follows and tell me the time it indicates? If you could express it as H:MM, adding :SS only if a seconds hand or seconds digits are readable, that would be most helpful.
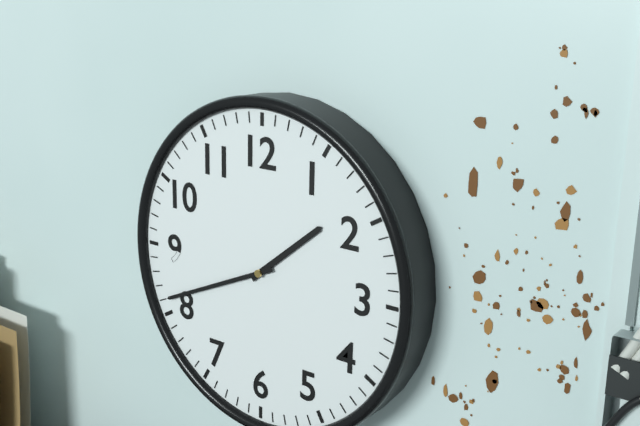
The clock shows 1:41
